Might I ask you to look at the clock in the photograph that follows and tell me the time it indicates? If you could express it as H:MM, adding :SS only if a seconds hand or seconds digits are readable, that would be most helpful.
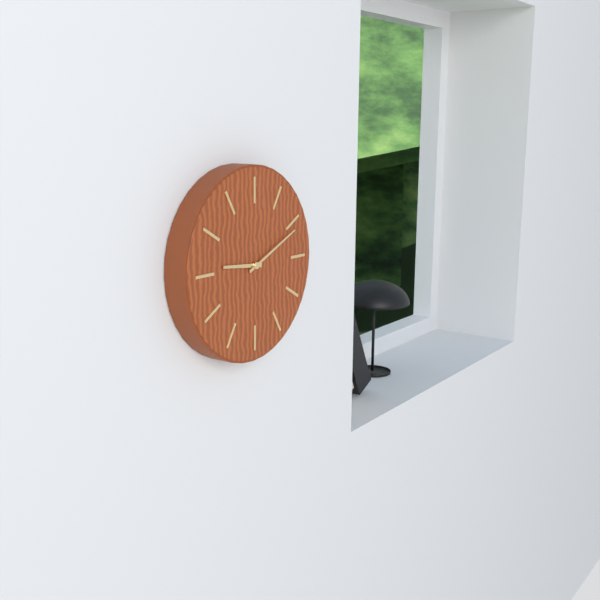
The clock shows 9:11
